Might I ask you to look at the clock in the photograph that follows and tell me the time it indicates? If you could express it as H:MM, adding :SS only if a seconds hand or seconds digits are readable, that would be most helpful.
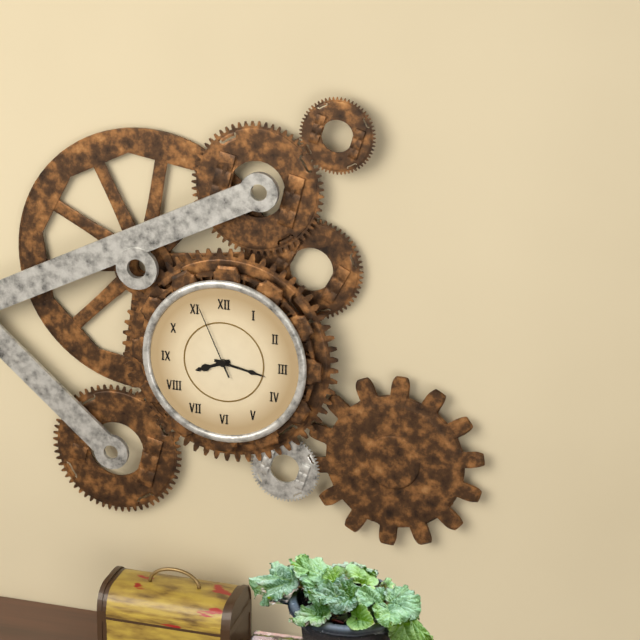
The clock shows 8:17:56
